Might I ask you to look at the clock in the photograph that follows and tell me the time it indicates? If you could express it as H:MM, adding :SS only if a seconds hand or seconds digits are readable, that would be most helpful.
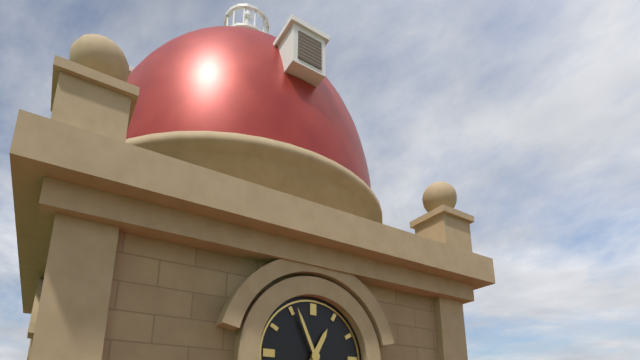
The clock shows 12:56
